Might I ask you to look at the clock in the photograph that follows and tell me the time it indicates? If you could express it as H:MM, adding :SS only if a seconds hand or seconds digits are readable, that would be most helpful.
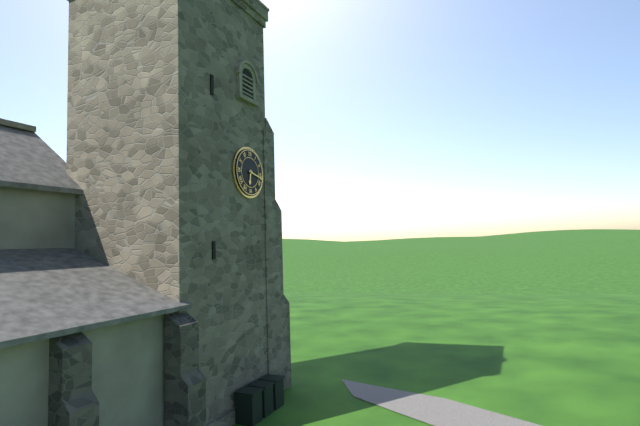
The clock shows 6:17
